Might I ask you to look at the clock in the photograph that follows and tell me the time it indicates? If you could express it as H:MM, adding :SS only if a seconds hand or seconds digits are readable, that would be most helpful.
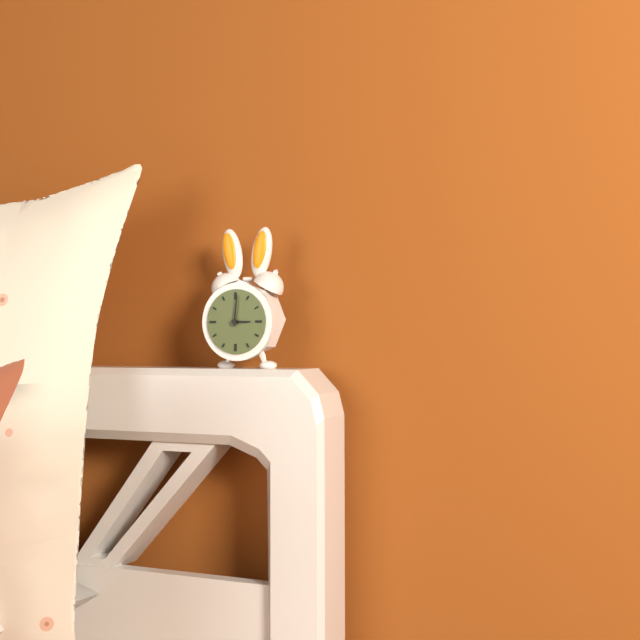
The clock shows 3:01
